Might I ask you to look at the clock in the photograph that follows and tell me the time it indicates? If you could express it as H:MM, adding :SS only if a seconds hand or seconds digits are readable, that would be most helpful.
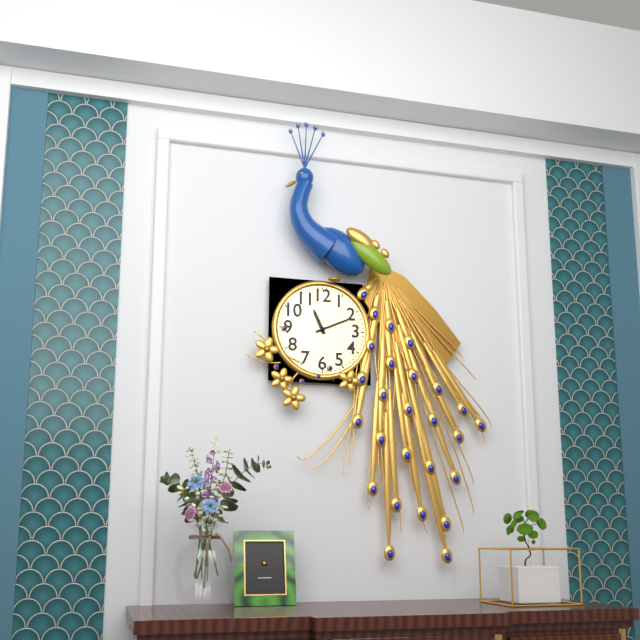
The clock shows 11:11
